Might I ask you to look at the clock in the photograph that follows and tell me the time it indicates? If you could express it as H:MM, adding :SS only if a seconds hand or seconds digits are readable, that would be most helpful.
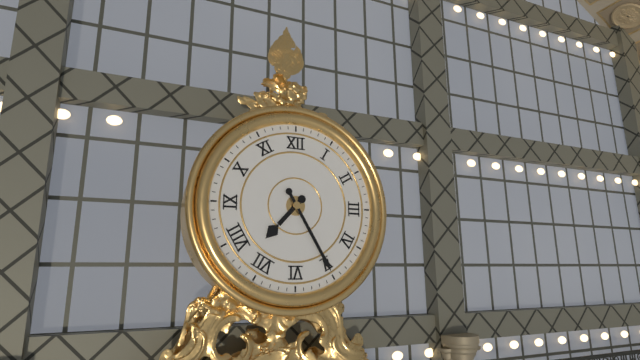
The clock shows 7:25
